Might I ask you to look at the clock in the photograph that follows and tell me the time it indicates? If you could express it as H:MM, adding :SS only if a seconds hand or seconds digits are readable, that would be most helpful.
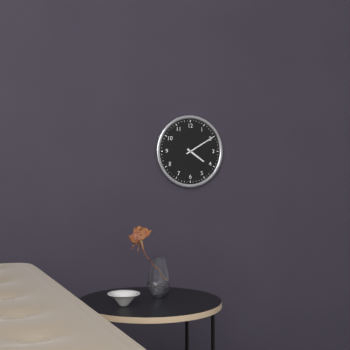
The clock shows 4:10
